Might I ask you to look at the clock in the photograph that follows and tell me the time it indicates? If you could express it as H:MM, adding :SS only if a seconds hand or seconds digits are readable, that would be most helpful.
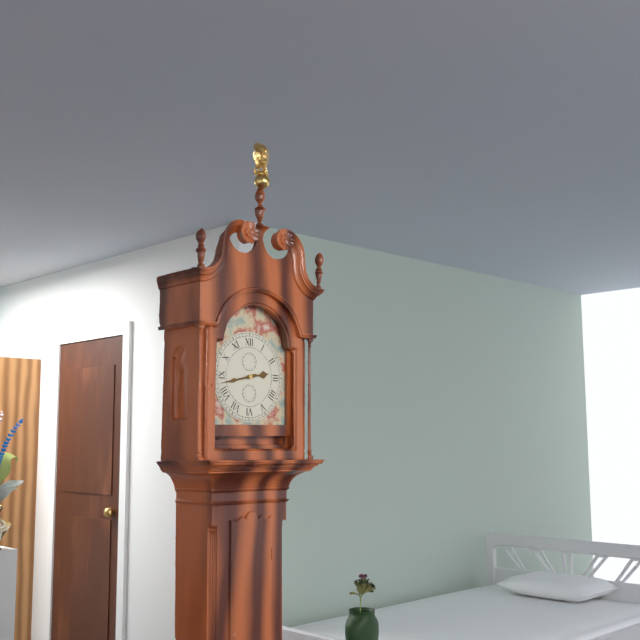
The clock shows 2:43
